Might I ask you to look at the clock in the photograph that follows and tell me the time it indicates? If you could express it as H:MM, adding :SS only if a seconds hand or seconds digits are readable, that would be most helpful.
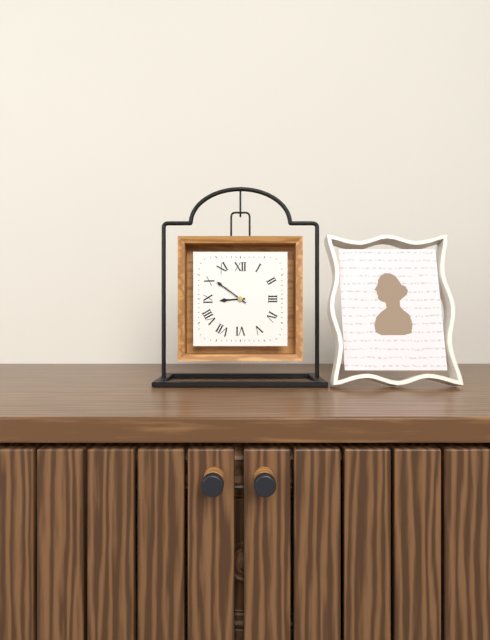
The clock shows 8:51
